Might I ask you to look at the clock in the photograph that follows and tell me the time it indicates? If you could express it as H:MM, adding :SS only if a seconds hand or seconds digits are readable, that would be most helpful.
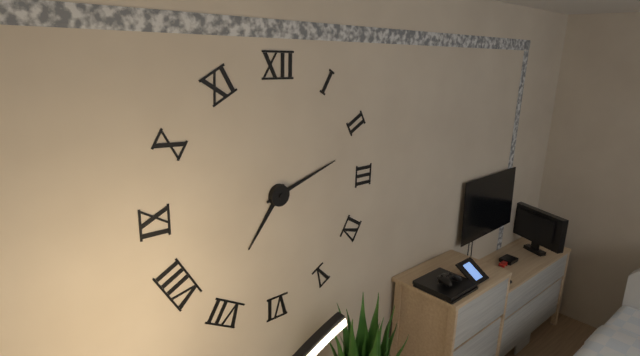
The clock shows 7:12
